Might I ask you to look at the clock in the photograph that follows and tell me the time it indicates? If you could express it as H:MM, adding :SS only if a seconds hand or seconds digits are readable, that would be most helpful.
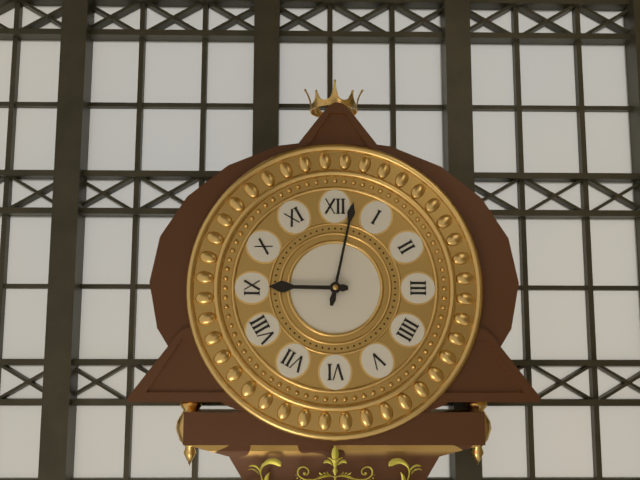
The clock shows 9:02
